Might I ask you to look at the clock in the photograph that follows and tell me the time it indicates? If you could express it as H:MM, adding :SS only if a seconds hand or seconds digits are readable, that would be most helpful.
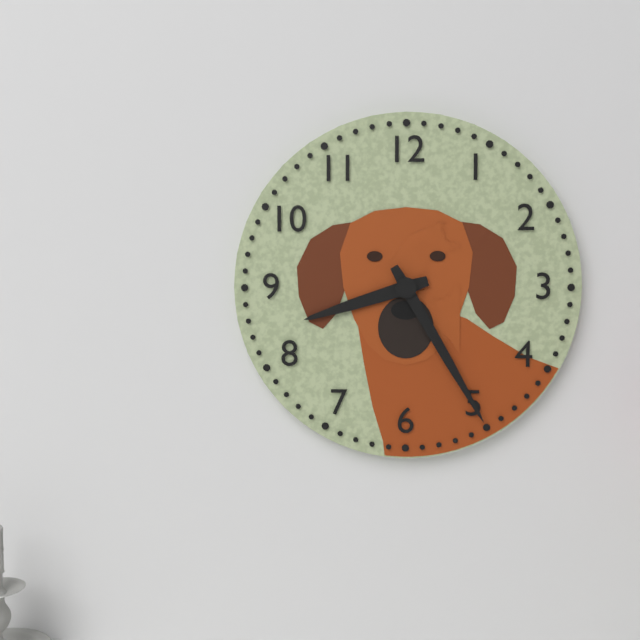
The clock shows 8:25
